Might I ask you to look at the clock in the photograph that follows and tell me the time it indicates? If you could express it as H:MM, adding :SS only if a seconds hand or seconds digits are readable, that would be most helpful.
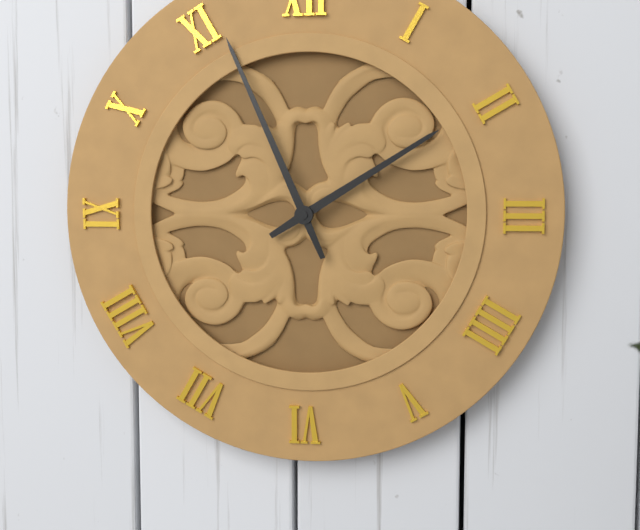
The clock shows 1:56
